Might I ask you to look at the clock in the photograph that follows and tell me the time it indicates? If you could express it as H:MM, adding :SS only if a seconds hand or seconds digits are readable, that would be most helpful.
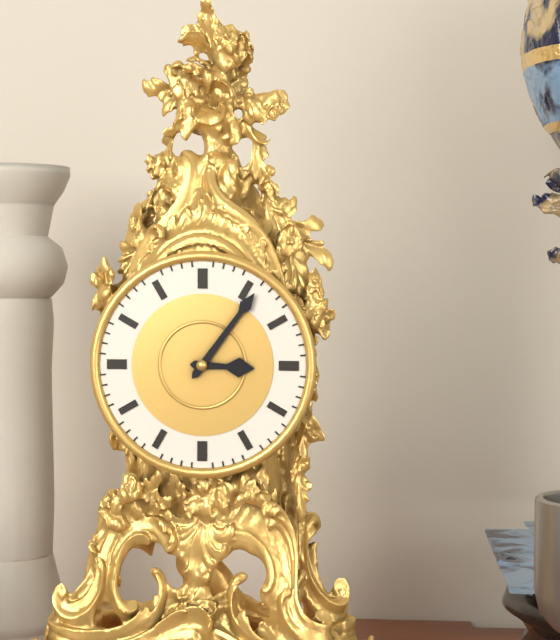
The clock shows 3:06
